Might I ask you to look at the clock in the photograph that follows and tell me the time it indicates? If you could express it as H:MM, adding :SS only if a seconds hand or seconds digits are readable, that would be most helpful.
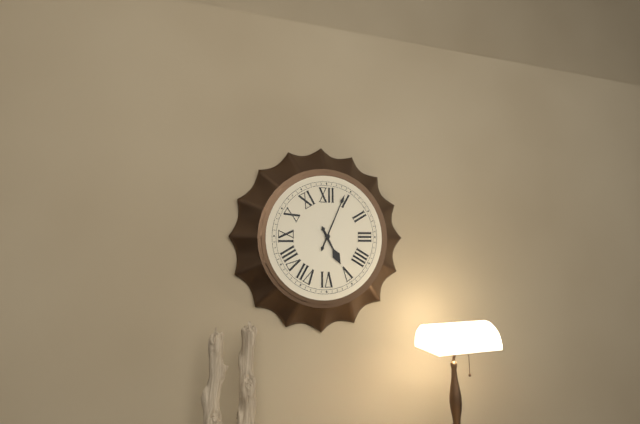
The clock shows 5:04
